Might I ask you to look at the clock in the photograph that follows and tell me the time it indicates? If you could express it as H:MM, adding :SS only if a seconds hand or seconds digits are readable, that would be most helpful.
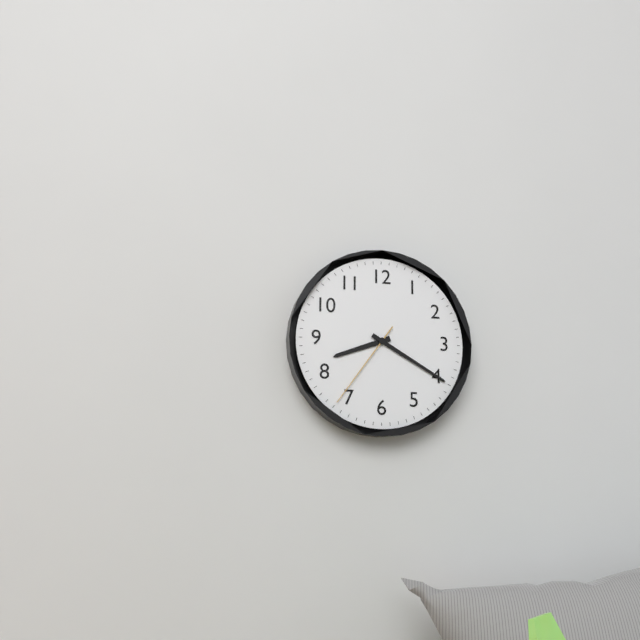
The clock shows 8:20:36
